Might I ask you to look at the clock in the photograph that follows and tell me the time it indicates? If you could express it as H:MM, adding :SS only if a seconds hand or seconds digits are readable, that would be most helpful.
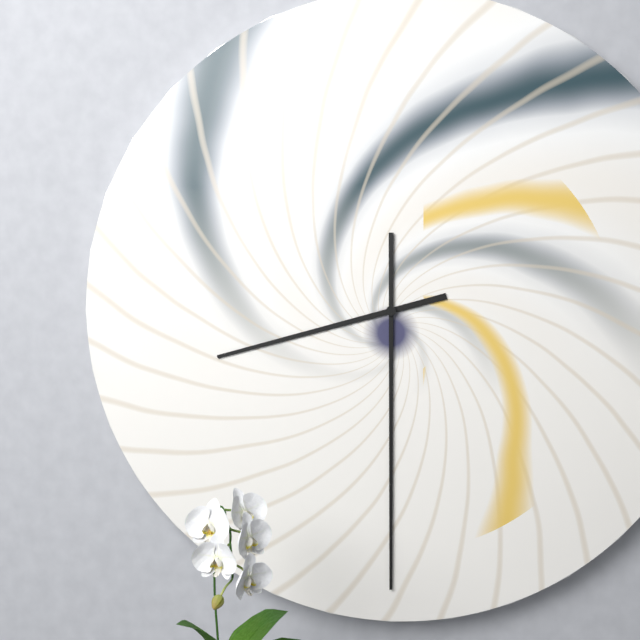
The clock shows 8:30
